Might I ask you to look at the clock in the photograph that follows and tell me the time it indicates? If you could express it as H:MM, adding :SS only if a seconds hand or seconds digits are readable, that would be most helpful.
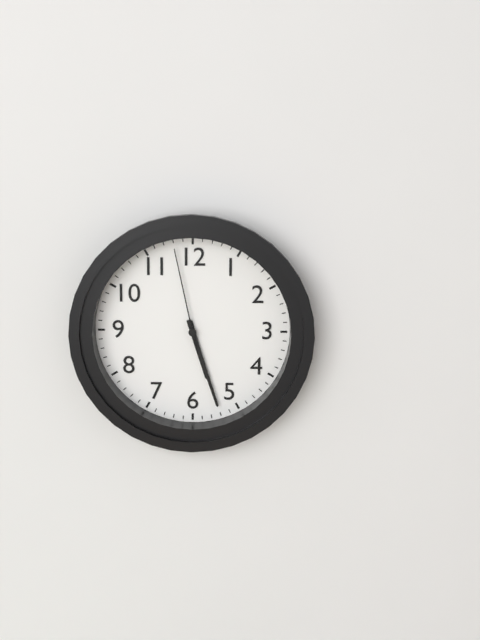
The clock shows 5:27:58
